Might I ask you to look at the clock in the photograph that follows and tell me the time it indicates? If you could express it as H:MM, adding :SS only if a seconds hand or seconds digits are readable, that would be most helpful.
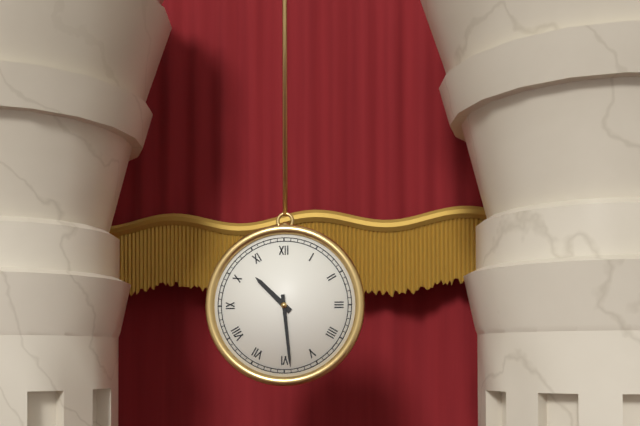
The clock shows 10:29
